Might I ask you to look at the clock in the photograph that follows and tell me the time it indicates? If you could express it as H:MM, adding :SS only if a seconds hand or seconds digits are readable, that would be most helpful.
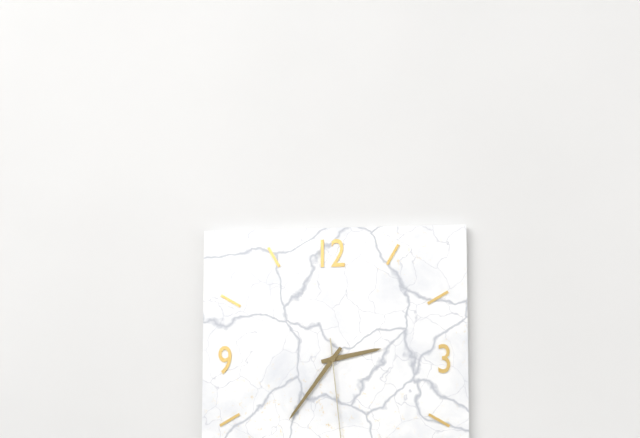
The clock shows 2:36
